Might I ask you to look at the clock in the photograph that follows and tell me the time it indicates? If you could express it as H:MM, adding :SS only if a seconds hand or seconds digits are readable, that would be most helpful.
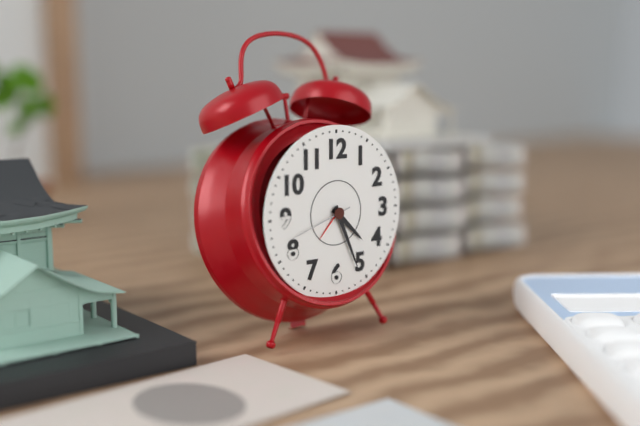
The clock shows 4:26:42
